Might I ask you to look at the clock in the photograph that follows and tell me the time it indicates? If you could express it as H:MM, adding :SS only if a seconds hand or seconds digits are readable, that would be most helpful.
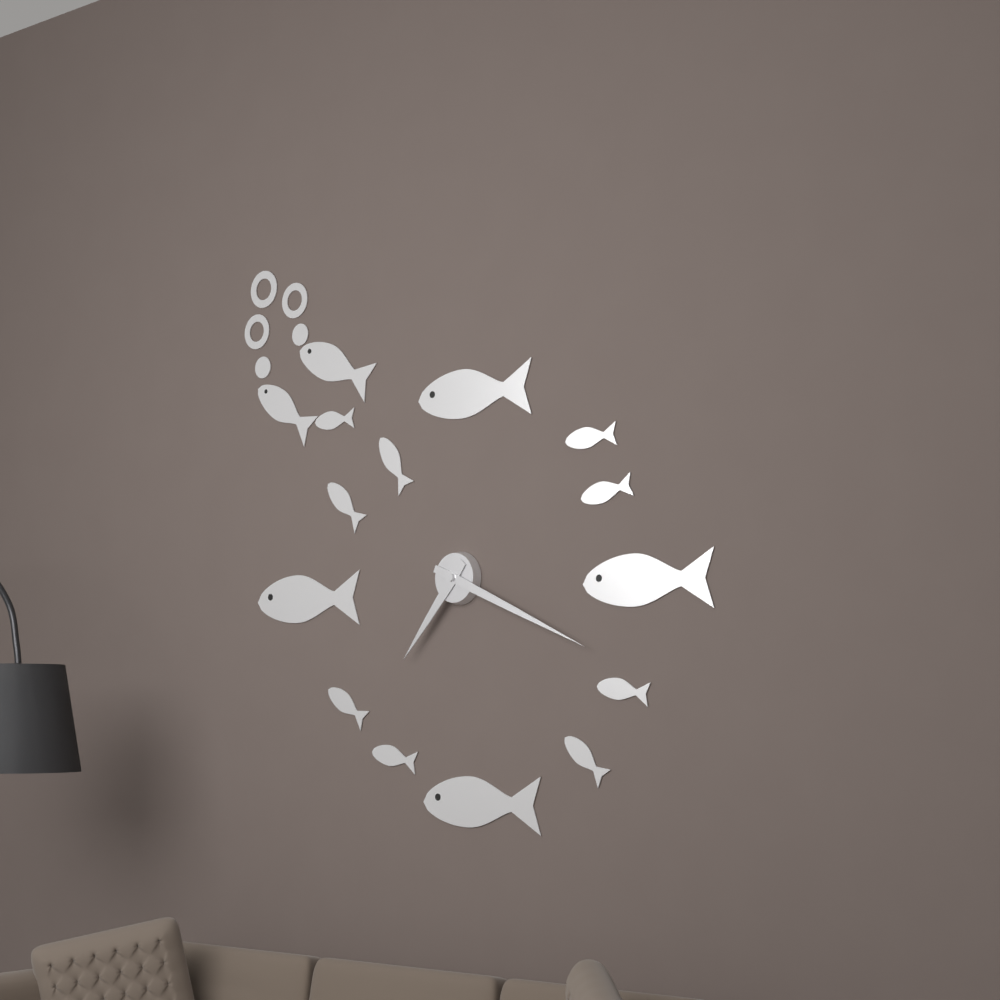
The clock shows 7:19
